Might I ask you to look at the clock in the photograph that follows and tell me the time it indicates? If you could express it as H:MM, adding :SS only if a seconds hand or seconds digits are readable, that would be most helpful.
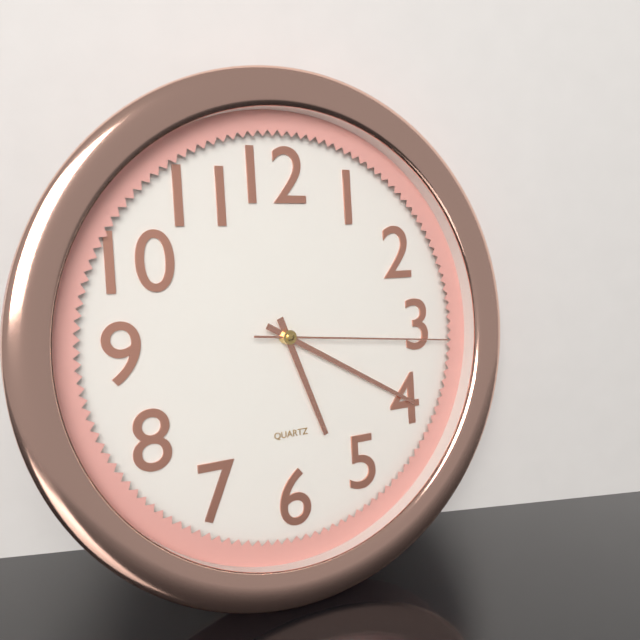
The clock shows 5:20:16
